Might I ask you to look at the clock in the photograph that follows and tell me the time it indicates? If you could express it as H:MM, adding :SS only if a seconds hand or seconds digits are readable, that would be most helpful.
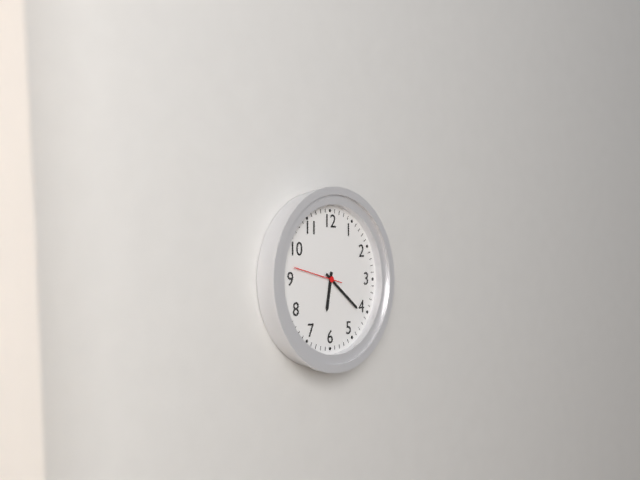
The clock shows 6:21
